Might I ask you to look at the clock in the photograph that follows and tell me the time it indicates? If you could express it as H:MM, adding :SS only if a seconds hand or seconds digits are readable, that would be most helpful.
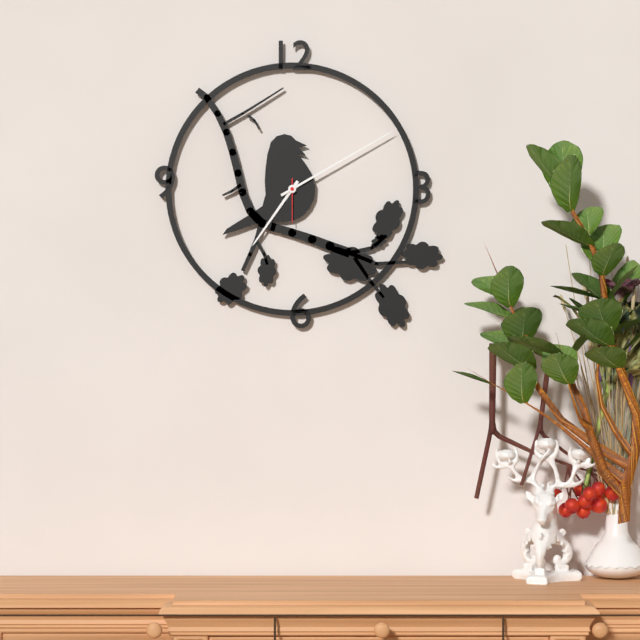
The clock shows 7:10
